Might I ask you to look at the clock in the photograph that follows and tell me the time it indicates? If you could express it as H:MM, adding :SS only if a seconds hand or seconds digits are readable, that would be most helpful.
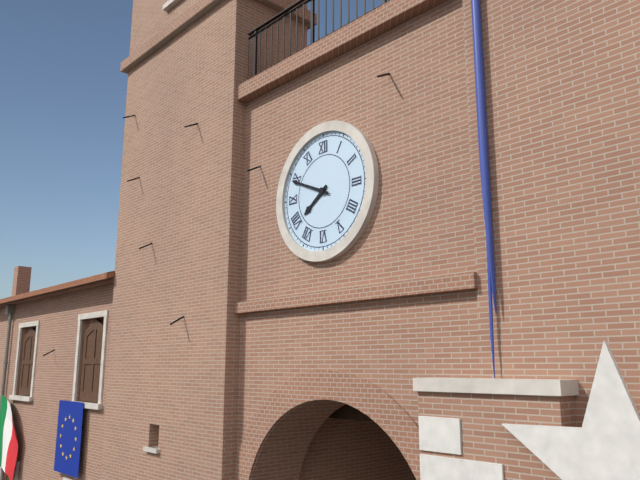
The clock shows 7:49
